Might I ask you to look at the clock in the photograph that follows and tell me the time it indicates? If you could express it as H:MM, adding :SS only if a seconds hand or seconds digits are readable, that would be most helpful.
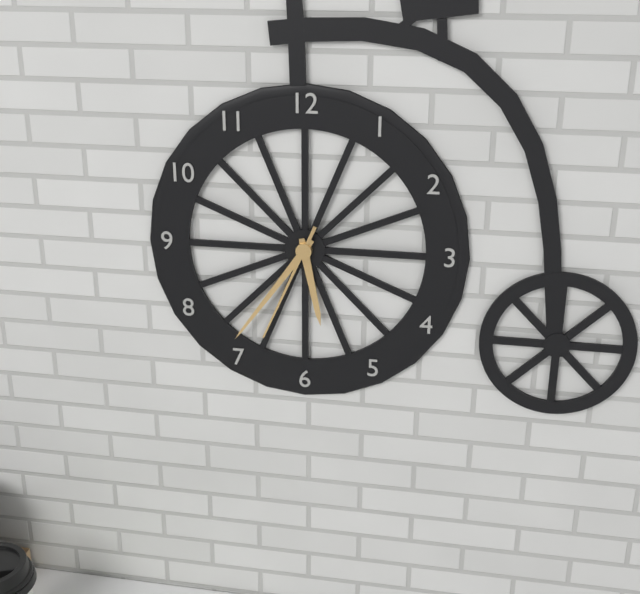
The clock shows 5:36:34
